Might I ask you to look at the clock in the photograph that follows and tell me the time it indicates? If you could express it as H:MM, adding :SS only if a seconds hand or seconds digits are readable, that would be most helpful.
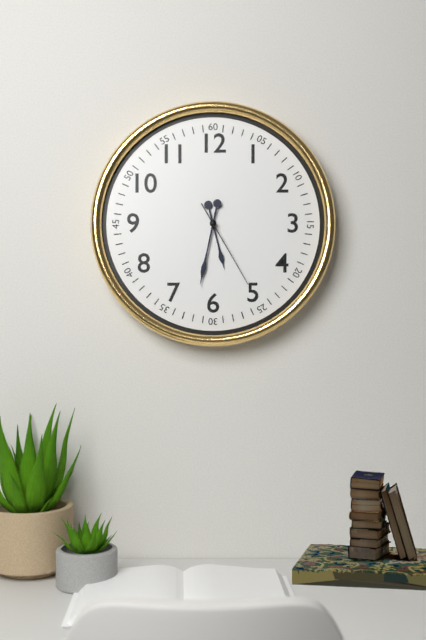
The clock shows 5:32:25
